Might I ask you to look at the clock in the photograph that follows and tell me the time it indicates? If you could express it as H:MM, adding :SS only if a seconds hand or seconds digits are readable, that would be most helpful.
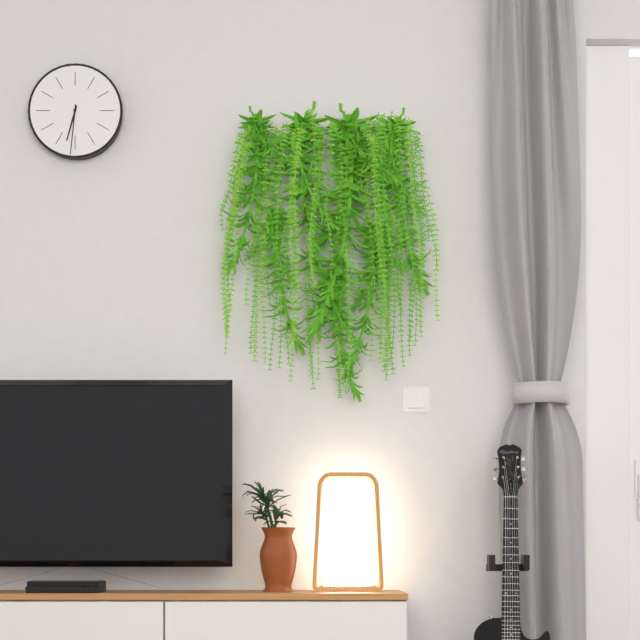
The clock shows 6:31
